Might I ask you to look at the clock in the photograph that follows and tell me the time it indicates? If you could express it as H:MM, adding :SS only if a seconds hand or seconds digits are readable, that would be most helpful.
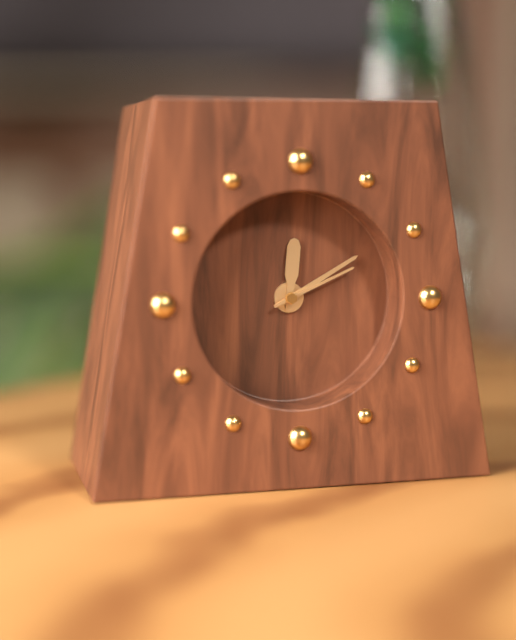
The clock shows 12:10:11
